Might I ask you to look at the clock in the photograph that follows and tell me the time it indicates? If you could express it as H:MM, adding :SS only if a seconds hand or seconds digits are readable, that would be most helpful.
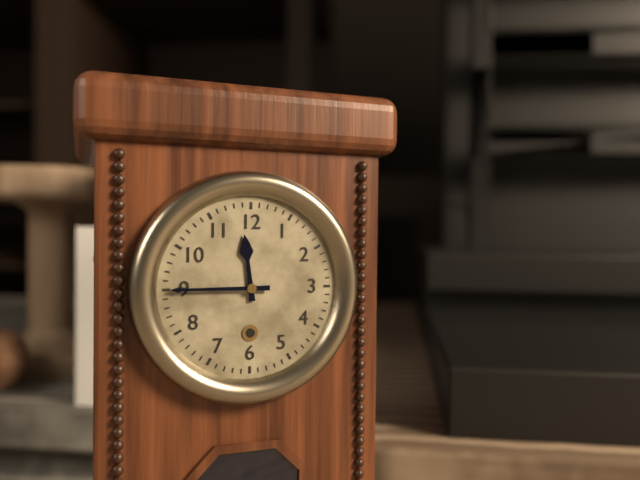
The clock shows 11:45
